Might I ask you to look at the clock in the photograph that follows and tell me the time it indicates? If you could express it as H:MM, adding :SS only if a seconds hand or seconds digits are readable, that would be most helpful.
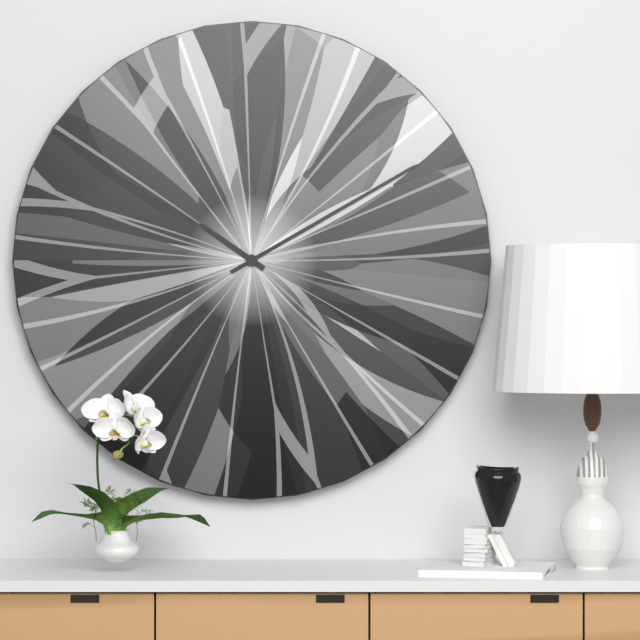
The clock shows 10:10
